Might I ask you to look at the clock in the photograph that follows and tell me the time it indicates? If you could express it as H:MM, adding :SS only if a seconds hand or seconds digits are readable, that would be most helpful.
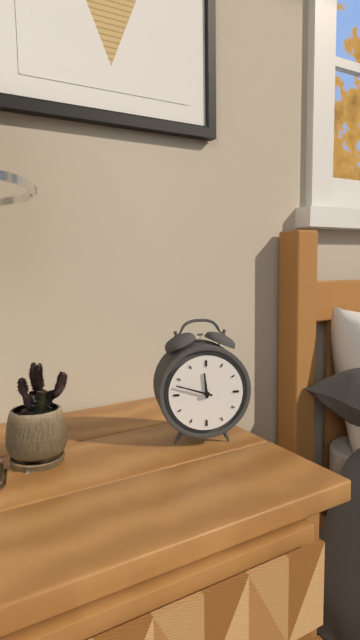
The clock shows 11:48
